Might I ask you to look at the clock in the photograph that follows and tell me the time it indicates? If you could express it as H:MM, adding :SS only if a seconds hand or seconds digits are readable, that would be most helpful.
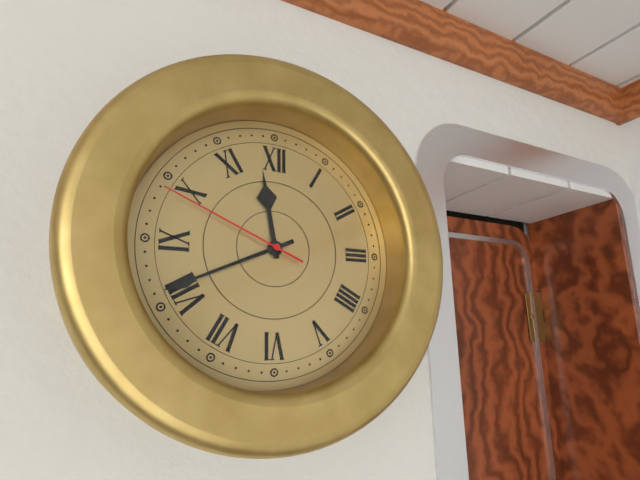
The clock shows 11:41:49
